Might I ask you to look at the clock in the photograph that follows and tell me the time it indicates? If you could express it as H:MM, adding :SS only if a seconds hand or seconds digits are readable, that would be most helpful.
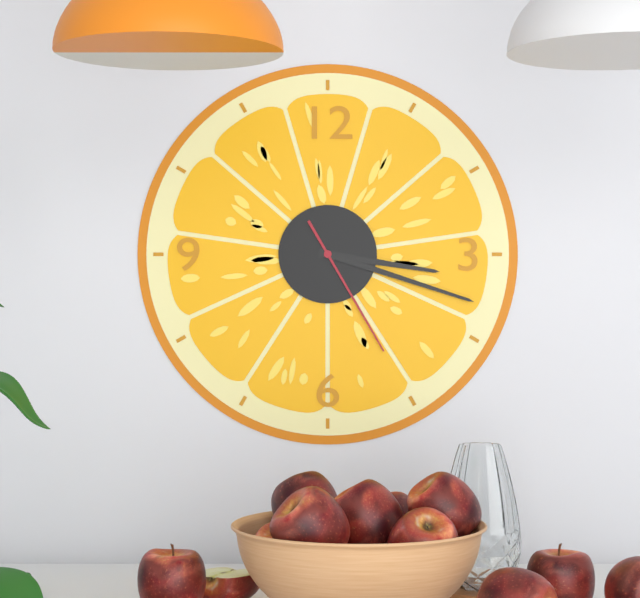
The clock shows 3:18:25
